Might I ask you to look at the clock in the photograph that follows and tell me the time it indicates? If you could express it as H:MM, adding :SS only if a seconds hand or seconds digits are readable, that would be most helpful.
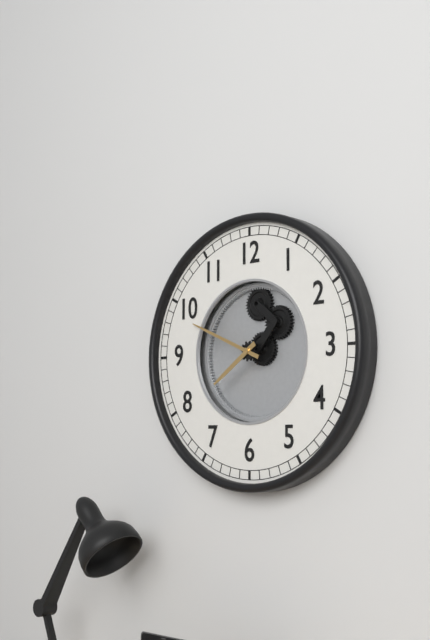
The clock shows 7:49
